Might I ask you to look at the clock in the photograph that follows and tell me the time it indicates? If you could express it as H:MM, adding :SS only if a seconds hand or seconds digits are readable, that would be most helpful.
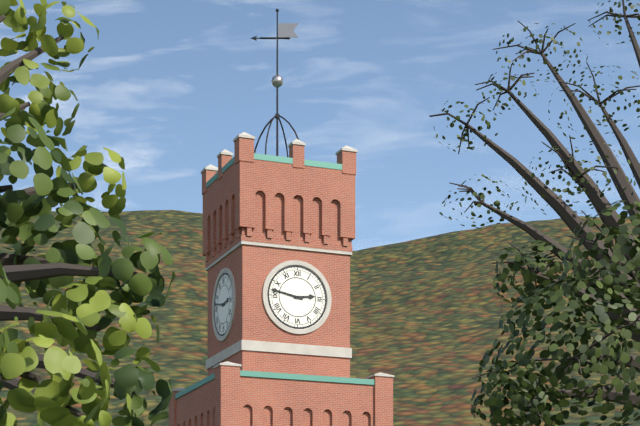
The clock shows 2:47
